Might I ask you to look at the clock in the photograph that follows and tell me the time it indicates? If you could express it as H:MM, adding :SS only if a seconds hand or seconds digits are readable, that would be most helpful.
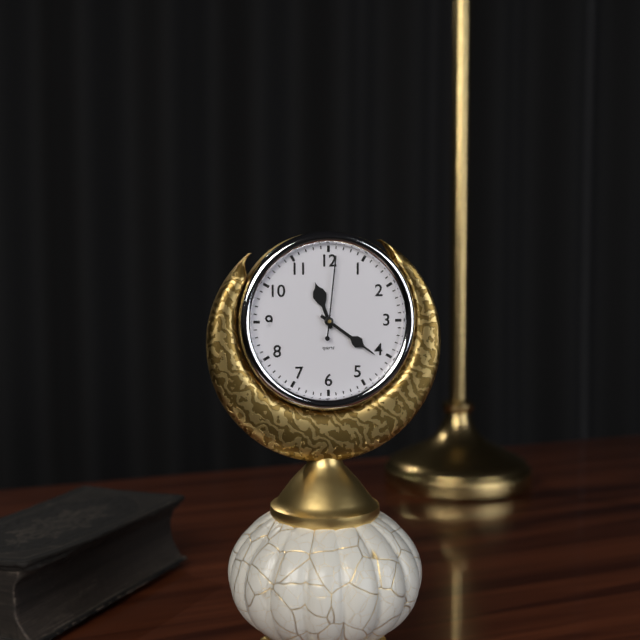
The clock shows 11:21:01
